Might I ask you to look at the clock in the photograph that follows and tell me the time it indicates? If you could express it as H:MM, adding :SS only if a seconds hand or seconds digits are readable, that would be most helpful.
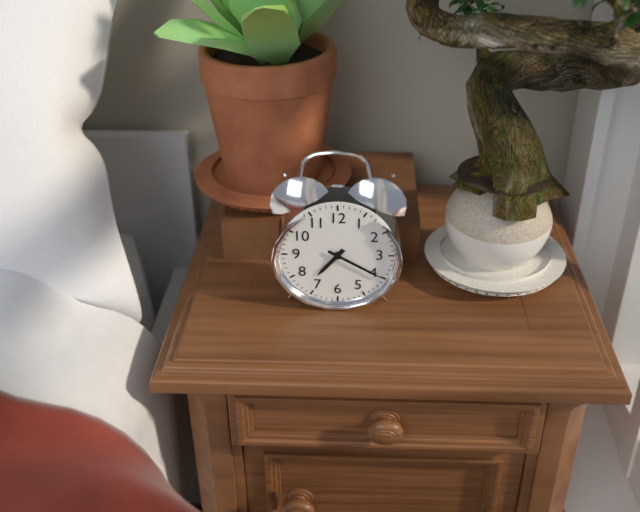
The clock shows 7:20
